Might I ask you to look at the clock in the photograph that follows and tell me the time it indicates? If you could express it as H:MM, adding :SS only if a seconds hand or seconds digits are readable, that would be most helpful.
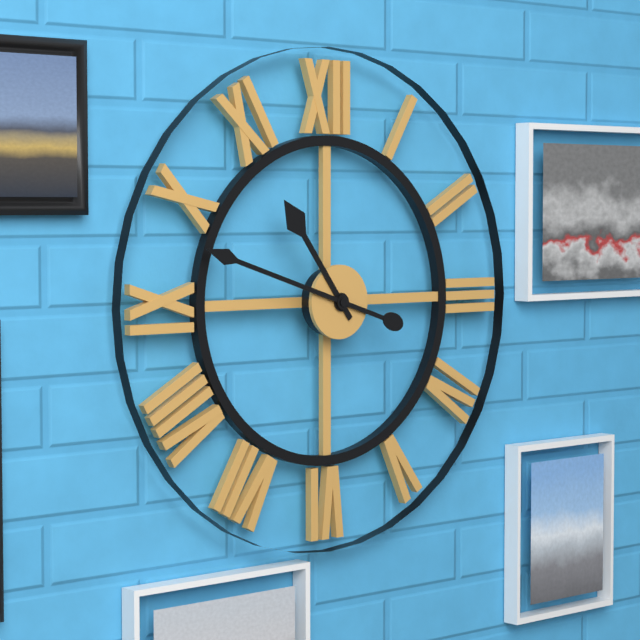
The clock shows 10:48
